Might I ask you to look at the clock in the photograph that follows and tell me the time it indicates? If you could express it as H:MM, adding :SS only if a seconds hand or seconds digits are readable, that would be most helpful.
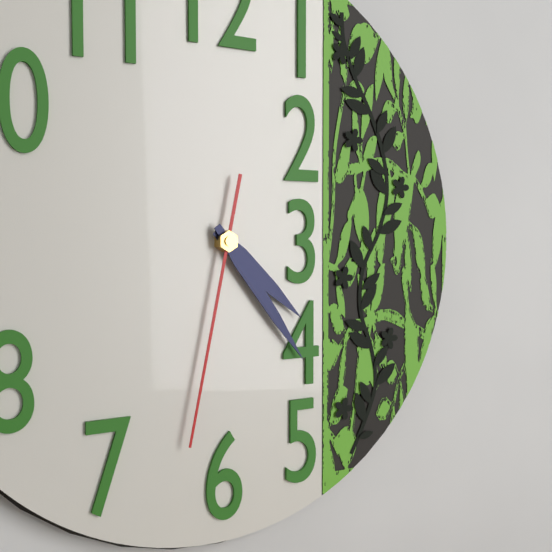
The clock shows 4:24:32
